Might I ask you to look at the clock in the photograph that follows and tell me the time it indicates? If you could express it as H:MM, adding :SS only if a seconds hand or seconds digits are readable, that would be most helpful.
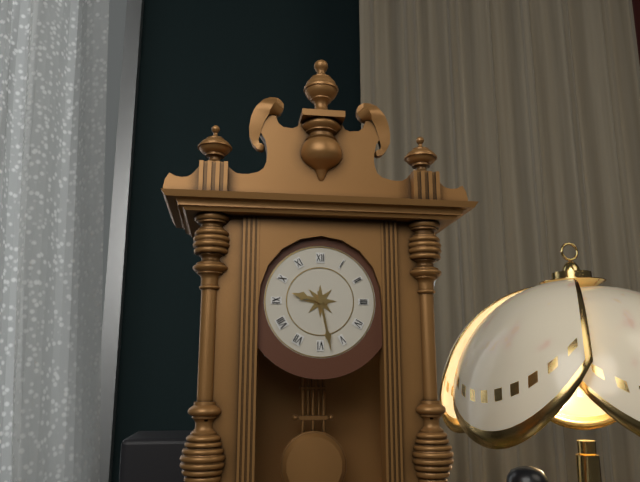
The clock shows 9:28
